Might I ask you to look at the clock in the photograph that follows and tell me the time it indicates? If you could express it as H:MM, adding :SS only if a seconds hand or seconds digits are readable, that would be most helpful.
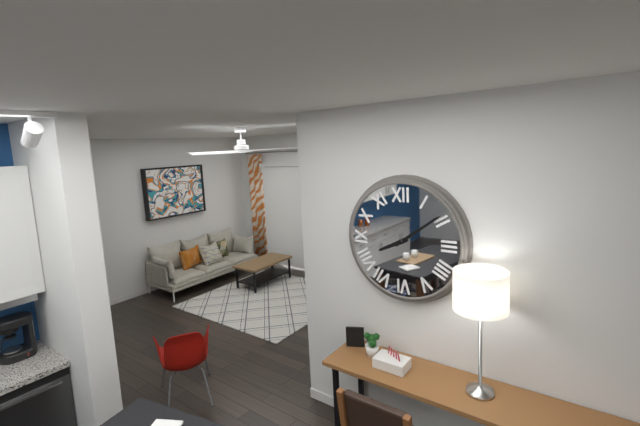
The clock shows 8:09
